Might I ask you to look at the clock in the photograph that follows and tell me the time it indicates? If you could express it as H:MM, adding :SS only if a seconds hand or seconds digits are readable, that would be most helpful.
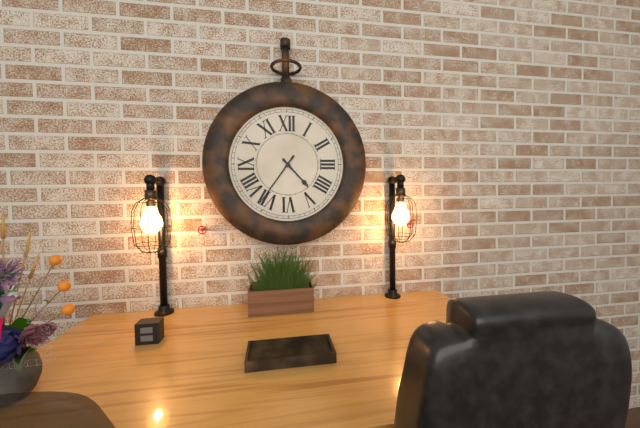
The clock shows 4:36
